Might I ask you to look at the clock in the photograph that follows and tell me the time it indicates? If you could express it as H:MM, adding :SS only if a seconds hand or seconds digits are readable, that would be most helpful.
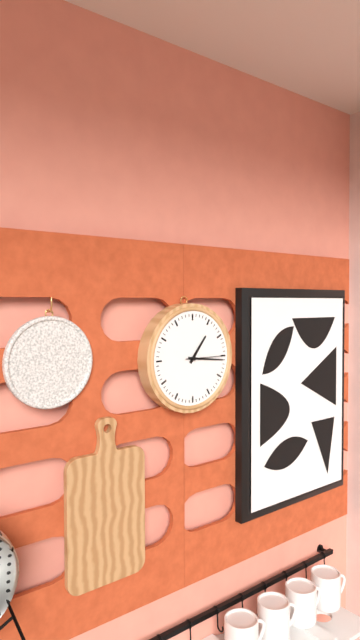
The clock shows 1:16
